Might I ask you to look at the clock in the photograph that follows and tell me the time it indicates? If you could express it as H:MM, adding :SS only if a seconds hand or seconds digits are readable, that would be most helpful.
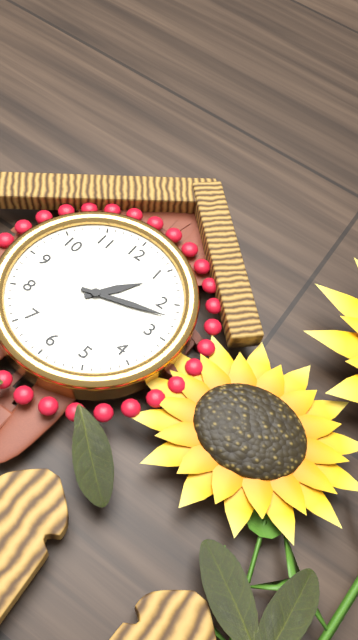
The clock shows 1:12
